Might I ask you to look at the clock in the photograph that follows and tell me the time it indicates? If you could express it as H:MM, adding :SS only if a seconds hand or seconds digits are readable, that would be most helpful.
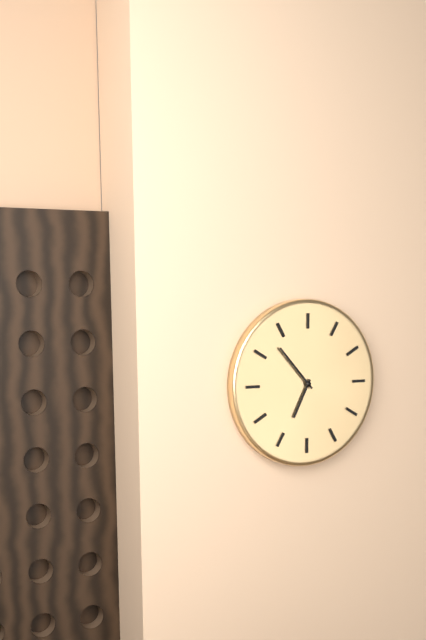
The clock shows 6:53
